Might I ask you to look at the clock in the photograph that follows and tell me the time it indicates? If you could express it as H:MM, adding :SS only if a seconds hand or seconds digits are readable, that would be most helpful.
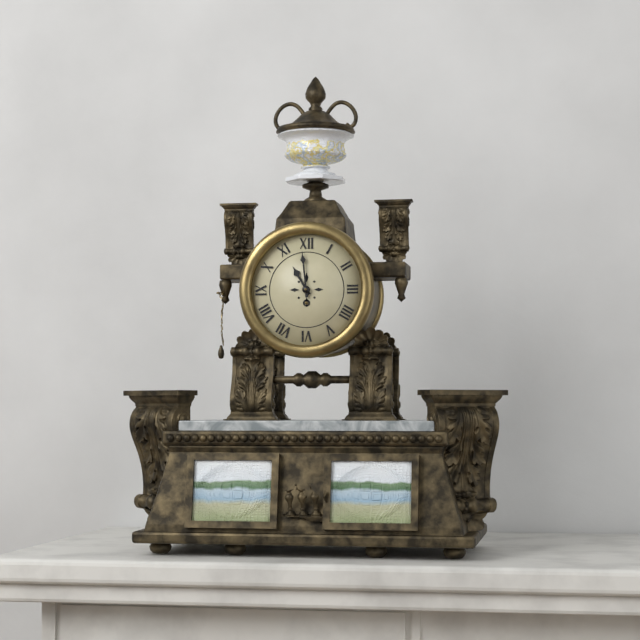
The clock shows 10:59
